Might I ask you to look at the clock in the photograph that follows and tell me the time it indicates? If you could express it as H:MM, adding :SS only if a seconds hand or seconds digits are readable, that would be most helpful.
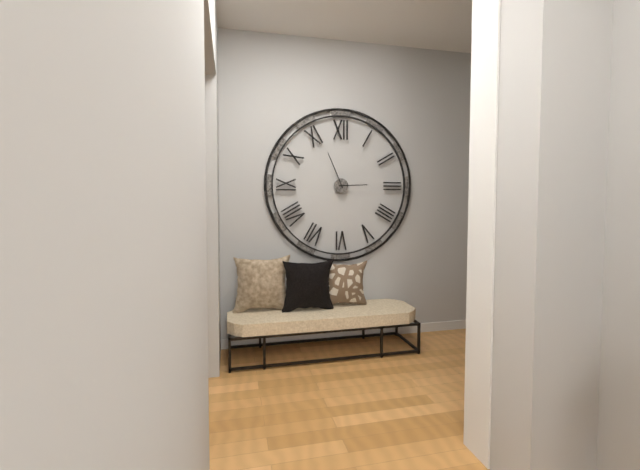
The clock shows 2:56
